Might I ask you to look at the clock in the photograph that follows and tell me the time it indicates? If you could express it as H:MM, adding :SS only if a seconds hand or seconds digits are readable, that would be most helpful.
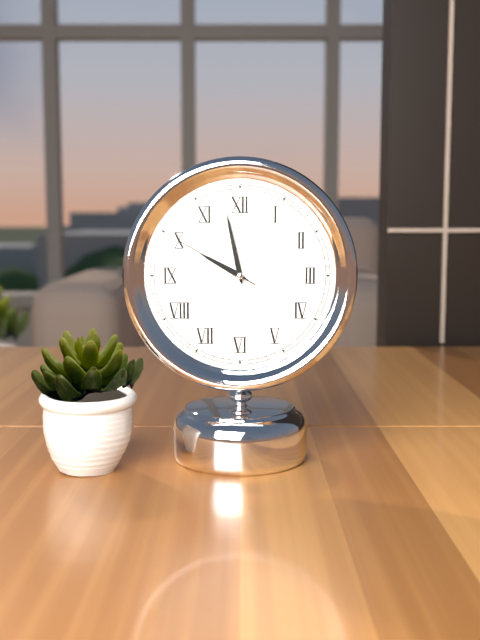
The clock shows 9:58:50
